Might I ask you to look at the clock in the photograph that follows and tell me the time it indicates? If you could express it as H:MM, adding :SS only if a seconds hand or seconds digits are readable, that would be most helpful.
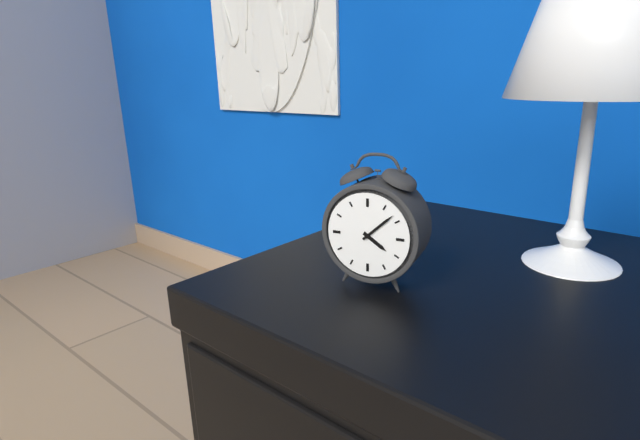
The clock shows 4:08
